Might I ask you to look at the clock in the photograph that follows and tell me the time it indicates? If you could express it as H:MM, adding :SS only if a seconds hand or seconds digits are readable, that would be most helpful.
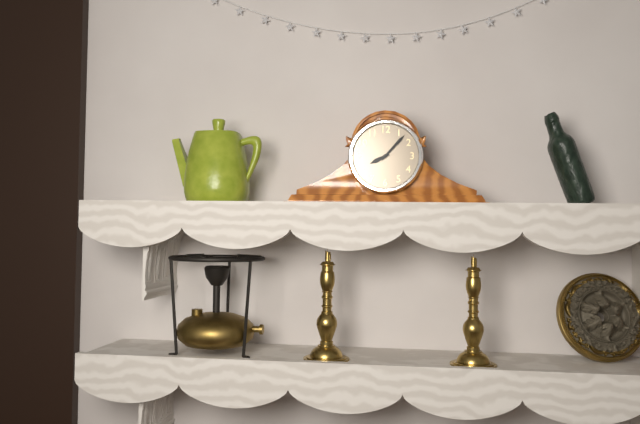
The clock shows 8:07
